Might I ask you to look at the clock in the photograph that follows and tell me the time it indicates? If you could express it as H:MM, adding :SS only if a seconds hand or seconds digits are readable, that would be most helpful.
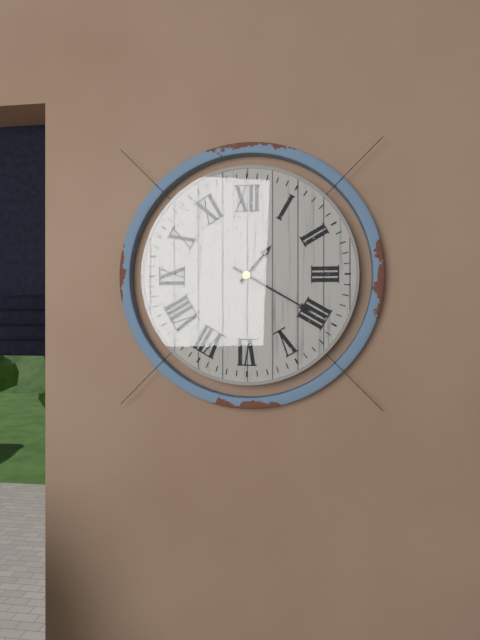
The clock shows 1:20
